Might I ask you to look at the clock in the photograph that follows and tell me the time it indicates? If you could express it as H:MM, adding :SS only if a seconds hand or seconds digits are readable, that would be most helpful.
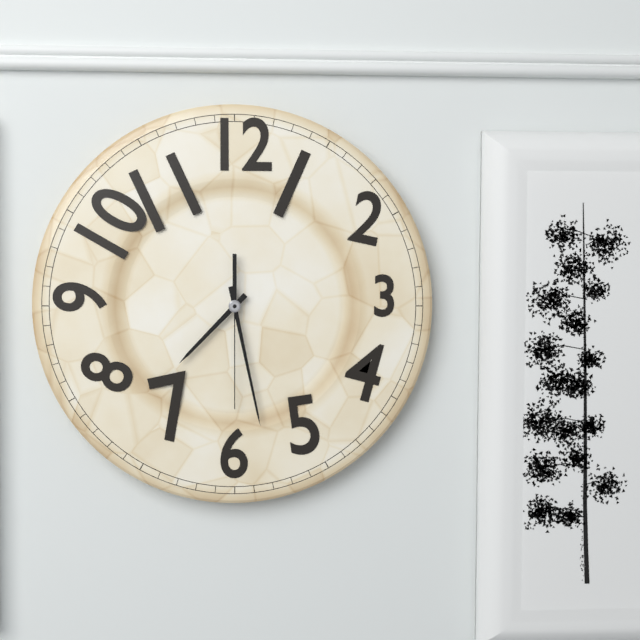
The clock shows 7:28:30
